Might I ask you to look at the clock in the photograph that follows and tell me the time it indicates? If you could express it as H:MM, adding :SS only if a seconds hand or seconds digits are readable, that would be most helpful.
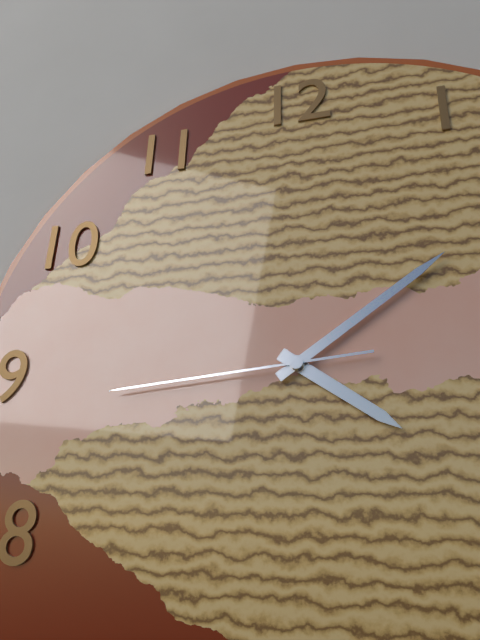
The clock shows 4:09:44
